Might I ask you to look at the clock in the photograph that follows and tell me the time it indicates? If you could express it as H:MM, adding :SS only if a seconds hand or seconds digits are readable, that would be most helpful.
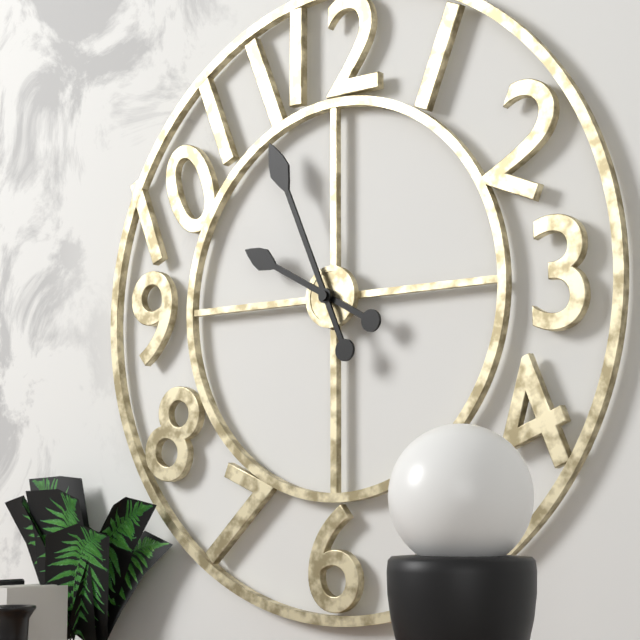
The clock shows 9:56
